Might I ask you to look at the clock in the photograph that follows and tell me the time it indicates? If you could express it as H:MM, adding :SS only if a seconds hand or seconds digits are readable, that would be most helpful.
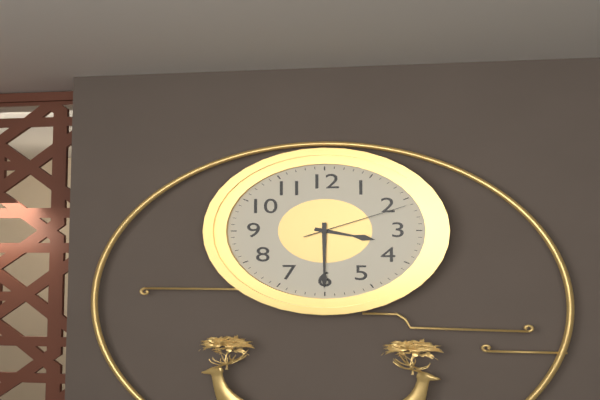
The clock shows 3:30:11
